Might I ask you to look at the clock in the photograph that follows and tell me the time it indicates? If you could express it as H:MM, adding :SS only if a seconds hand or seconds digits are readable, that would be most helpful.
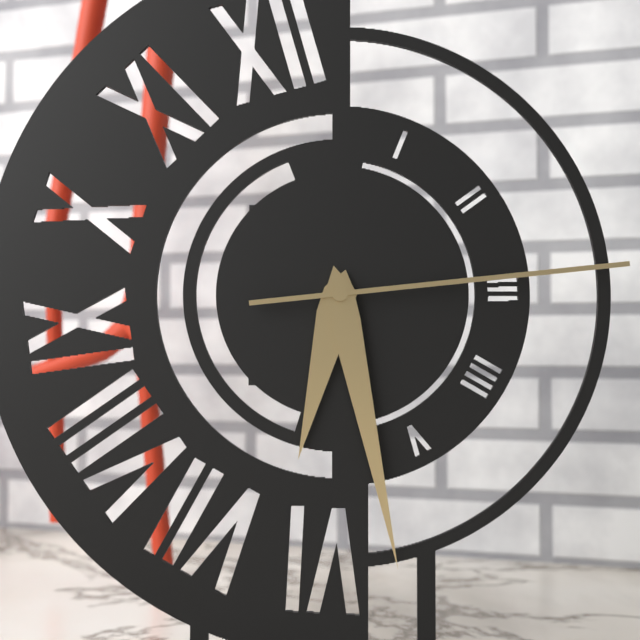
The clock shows 6:28:14
